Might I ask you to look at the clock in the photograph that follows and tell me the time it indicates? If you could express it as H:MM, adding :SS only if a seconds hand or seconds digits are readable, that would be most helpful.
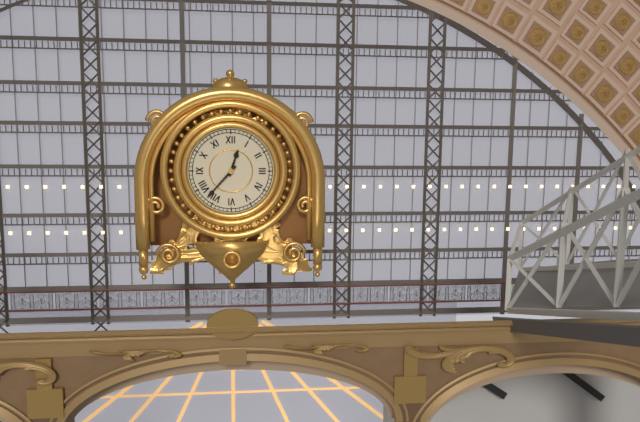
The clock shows 12:37
